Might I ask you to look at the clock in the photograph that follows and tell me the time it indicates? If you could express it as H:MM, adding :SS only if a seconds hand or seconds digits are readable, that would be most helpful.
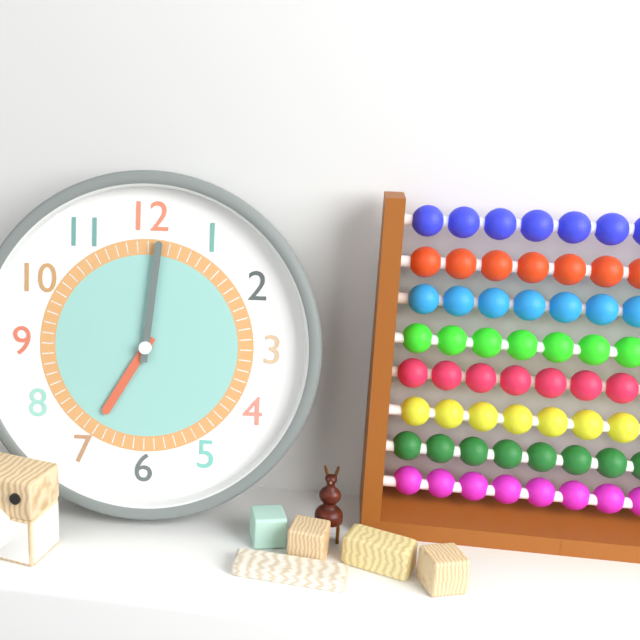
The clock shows 7:01
